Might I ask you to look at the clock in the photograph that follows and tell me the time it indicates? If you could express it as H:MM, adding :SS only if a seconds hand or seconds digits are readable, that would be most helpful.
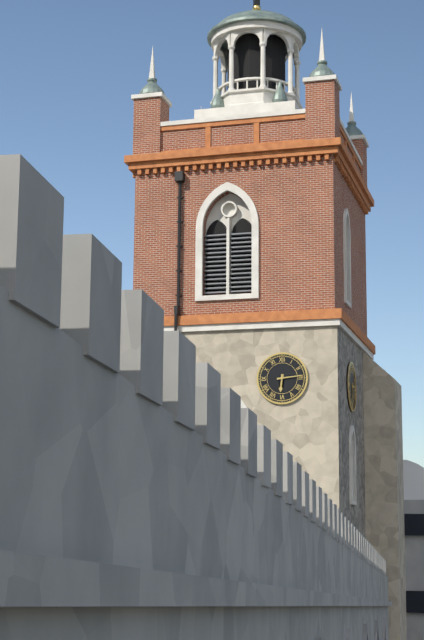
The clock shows 6:14
